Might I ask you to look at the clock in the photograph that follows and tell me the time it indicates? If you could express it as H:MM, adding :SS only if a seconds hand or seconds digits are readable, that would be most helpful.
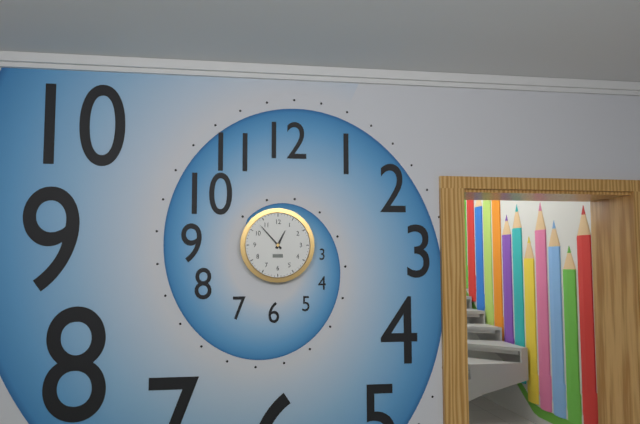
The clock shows 12:53
